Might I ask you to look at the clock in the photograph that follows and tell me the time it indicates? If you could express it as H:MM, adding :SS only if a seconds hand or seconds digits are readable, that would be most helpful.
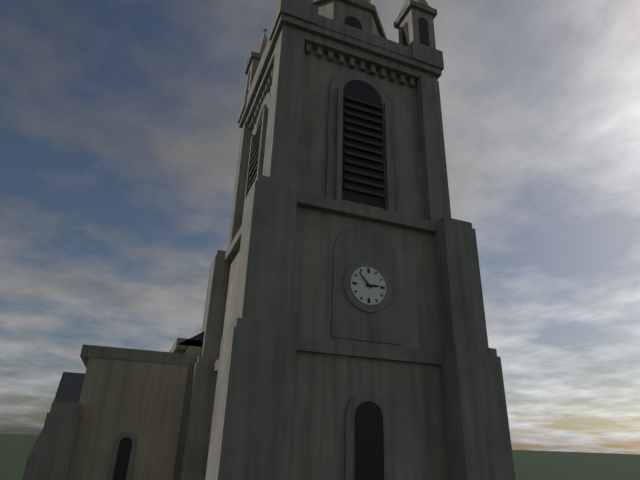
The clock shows 2:53
